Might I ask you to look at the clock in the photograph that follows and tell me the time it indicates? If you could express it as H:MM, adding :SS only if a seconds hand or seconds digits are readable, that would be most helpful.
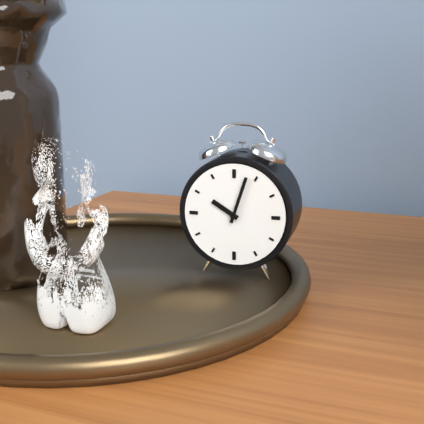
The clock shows 10:03
